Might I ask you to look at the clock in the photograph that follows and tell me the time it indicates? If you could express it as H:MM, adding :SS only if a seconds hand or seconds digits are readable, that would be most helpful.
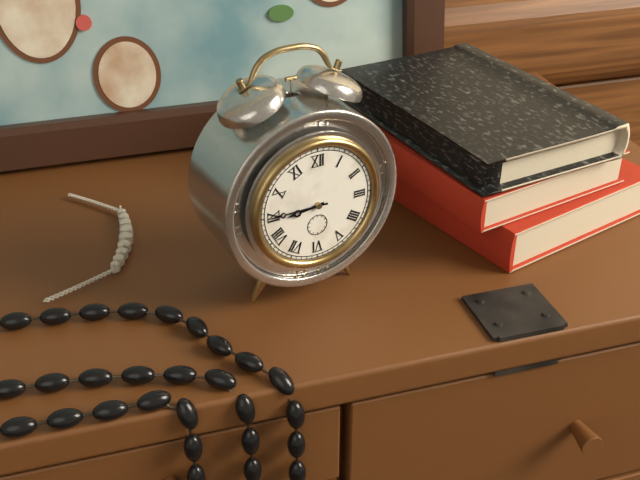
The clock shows 8:45
